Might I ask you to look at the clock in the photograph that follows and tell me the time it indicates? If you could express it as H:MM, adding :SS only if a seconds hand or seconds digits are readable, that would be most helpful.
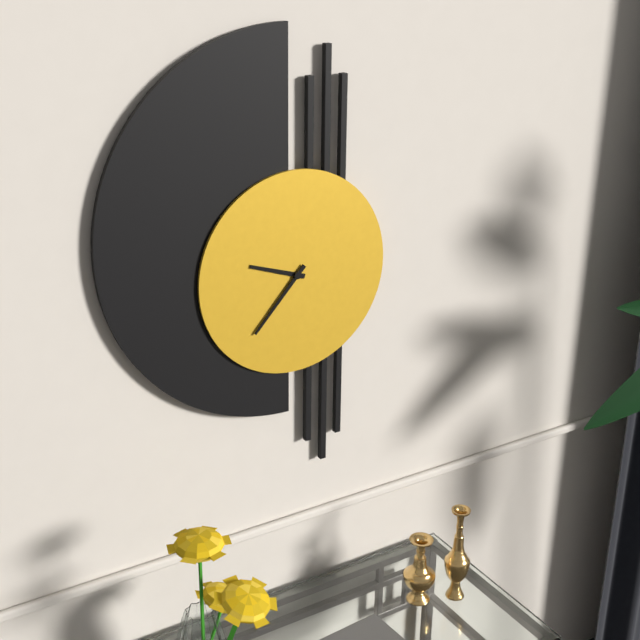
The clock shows 9:37
